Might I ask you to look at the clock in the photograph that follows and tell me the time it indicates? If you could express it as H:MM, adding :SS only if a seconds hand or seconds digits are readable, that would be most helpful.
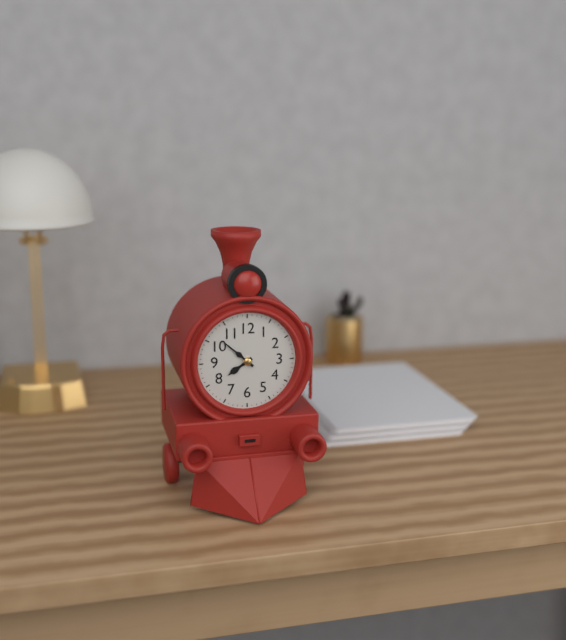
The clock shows 7:52
